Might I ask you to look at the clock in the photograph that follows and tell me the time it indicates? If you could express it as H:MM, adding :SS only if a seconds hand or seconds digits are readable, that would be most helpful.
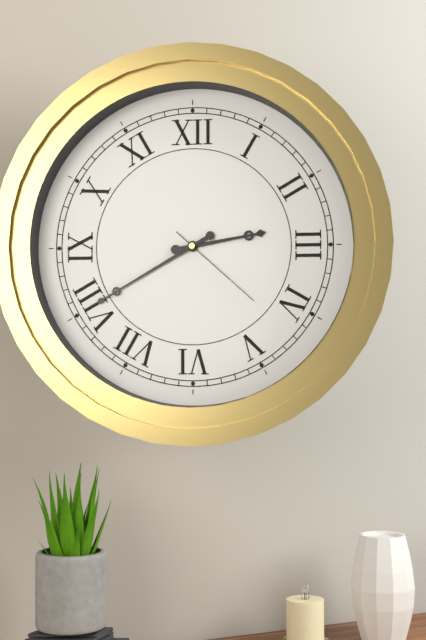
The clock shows 2:40:22
